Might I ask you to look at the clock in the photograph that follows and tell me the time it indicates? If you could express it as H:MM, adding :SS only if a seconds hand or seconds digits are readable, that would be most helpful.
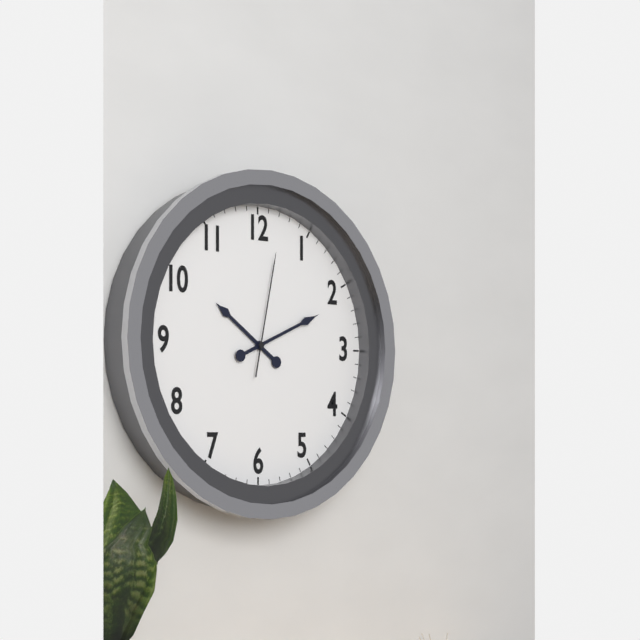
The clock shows 10:11:02
